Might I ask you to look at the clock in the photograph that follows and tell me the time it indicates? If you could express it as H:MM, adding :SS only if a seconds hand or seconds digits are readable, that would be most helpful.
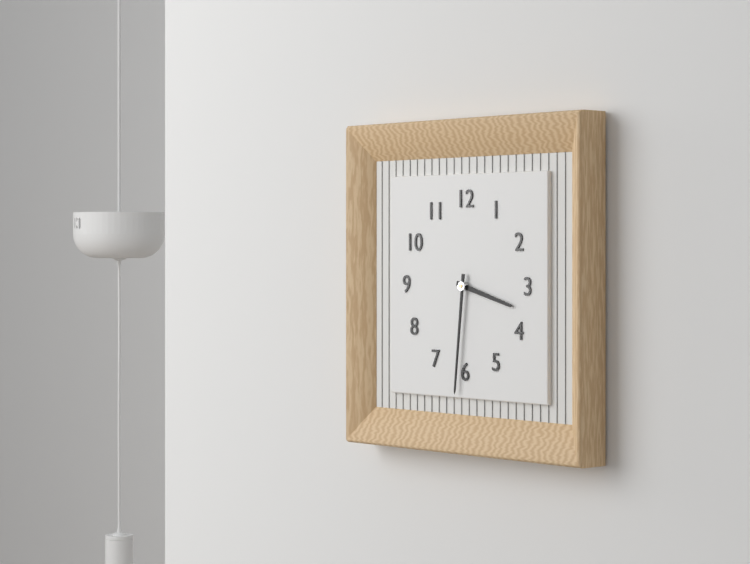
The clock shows 3:31
